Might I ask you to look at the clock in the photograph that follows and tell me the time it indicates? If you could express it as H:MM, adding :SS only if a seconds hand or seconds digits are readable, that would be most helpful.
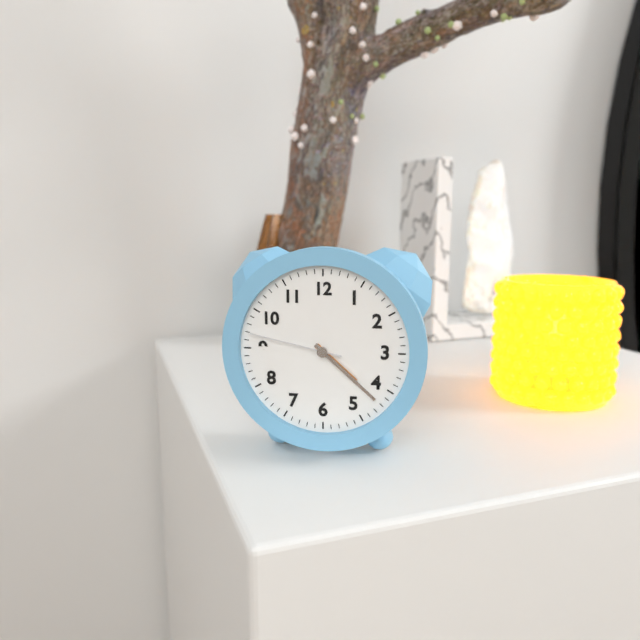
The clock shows 4:22:47
